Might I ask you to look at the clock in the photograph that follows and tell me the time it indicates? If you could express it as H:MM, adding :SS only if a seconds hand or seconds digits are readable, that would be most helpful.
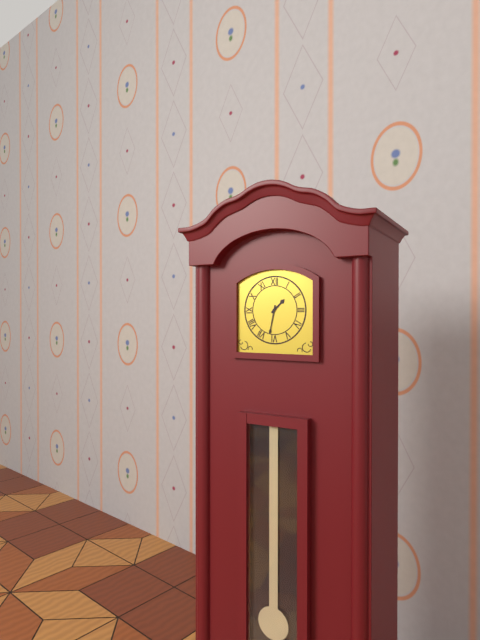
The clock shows 1:32
